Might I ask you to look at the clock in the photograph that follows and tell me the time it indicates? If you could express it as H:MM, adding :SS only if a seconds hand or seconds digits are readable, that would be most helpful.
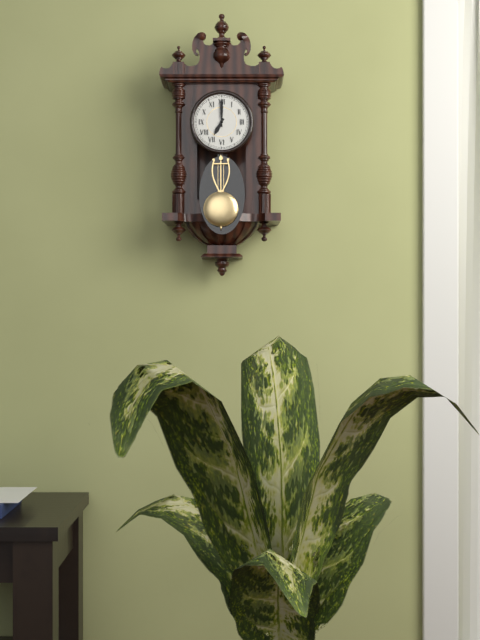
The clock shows 7:00
